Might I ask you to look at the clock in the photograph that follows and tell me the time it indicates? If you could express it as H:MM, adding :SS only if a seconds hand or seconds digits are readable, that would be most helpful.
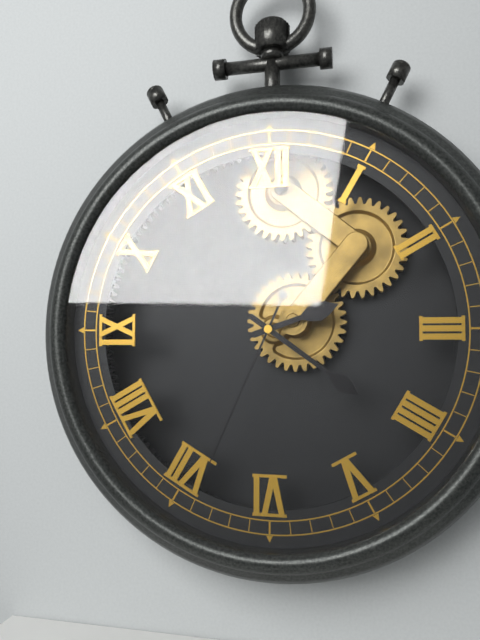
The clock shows 2:21:34
